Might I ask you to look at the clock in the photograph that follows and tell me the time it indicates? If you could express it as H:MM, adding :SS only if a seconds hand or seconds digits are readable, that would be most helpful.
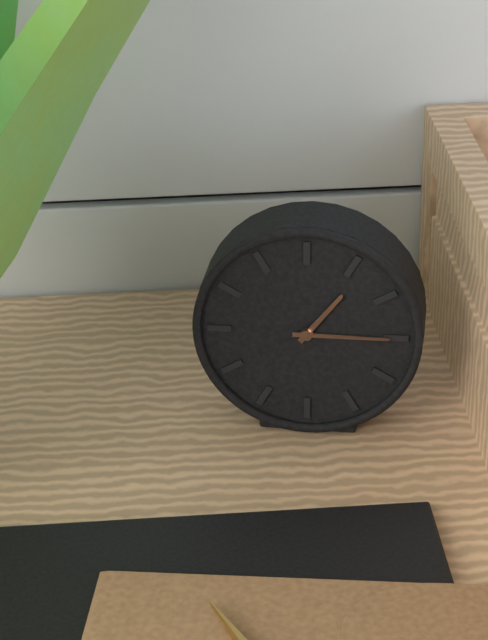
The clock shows 1:15
